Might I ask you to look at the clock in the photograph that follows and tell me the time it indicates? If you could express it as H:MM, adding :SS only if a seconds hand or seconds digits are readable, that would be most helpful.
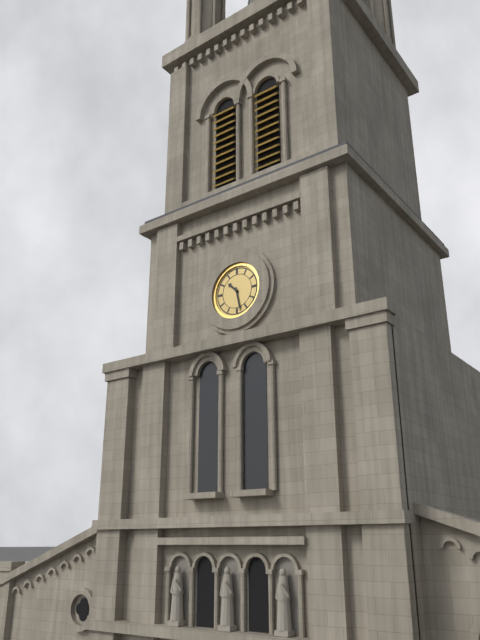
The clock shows 10:28
